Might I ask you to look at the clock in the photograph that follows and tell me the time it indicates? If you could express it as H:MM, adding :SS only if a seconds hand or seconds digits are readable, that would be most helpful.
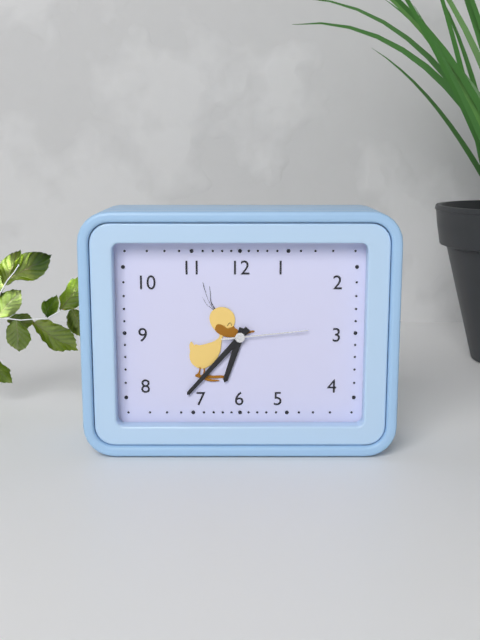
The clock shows 6:37:14
